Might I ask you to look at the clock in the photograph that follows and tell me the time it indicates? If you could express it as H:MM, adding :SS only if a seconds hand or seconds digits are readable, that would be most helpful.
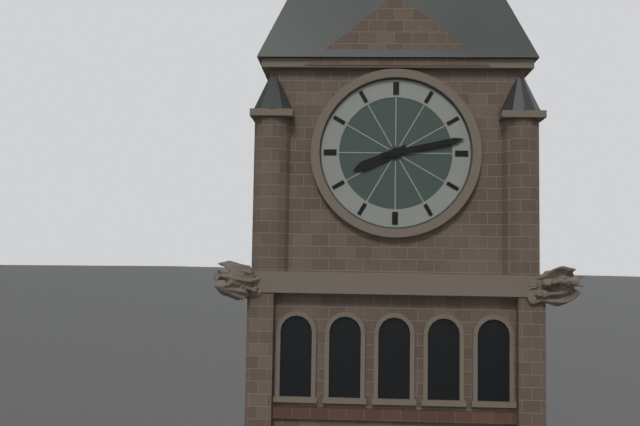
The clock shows 8:13
